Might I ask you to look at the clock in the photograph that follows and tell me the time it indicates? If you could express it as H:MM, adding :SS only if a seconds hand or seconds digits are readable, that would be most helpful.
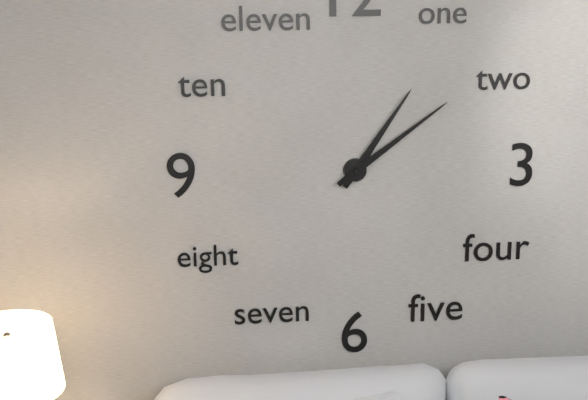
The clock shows 1:09
